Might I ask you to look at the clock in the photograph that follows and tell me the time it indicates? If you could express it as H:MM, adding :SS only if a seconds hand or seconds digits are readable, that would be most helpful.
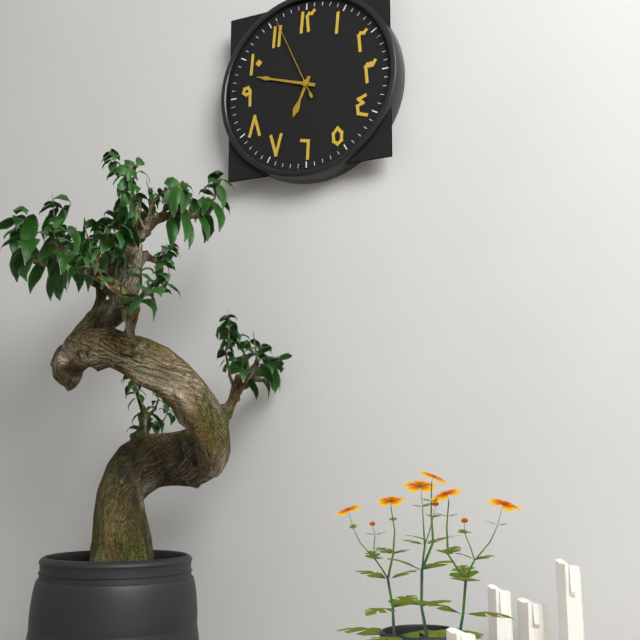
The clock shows 6:48:56
